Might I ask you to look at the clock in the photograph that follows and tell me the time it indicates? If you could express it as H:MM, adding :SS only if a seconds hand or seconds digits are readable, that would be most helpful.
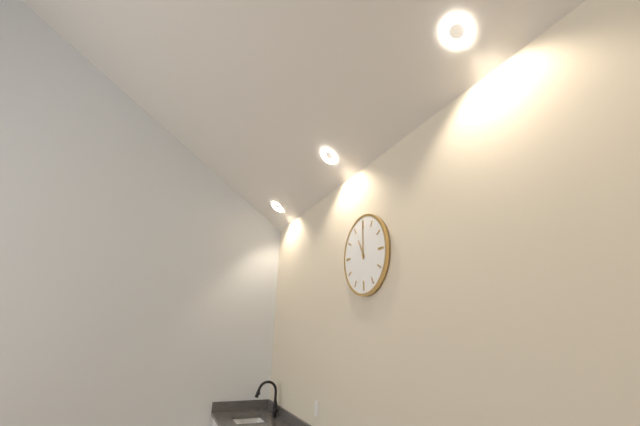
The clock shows 11:00
